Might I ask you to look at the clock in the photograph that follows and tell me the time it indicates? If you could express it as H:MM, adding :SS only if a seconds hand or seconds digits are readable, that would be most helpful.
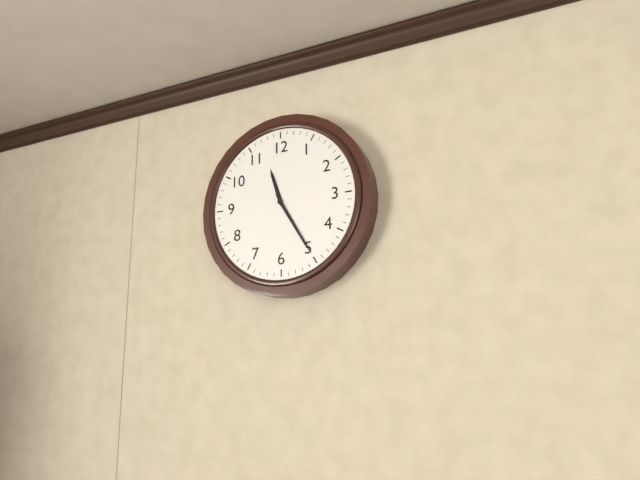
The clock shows 11:25
